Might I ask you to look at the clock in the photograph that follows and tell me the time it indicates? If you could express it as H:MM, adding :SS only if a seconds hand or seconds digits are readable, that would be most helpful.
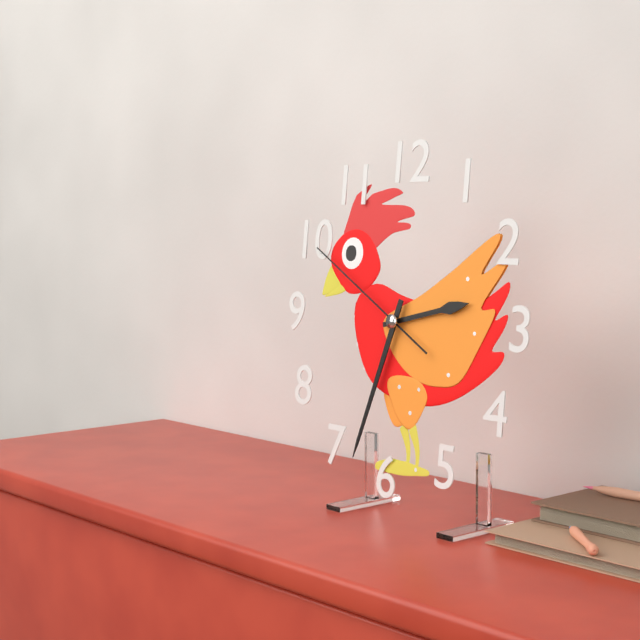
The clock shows 2:33:50
